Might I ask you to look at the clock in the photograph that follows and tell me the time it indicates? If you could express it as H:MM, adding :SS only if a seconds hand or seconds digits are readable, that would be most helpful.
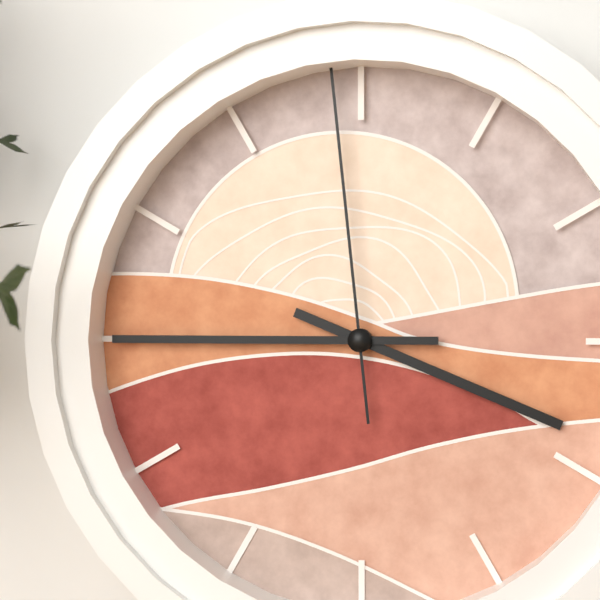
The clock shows 3:45:59
